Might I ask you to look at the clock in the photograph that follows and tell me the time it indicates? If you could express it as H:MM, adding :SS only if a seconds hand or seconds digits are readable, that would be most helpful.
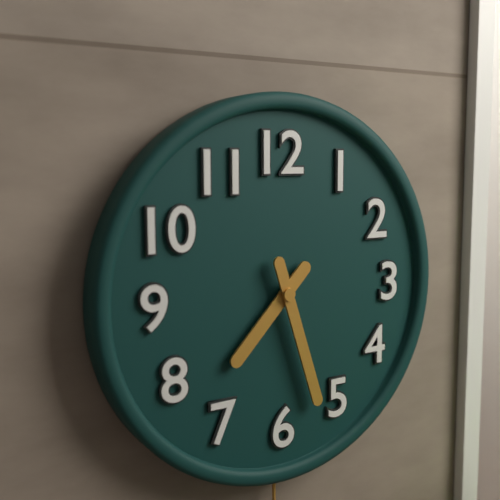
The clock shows 7:27
